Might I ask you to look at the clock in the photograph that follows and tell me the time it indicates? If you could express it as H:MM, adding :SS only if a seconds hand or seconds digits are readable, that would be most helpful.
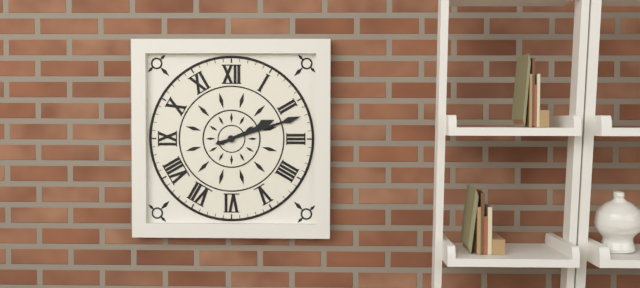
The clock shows 2:12
